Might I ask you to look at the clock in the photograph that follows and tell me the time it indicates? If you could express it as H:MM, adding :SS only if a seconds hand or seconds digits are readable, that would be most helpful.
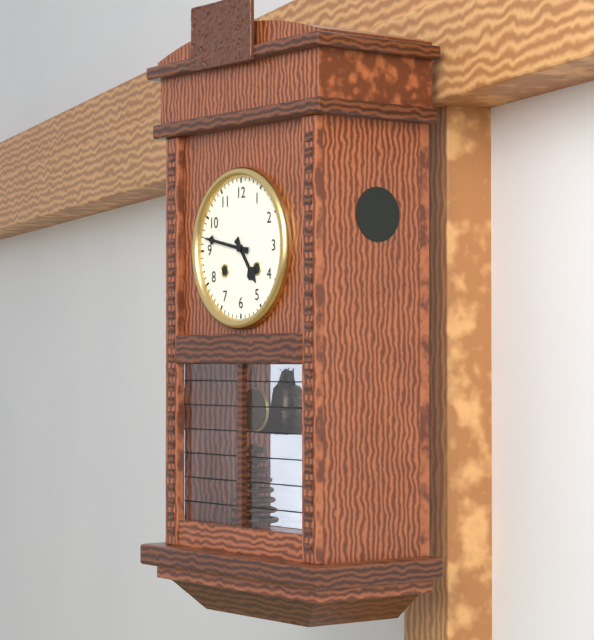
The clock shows 4:47
